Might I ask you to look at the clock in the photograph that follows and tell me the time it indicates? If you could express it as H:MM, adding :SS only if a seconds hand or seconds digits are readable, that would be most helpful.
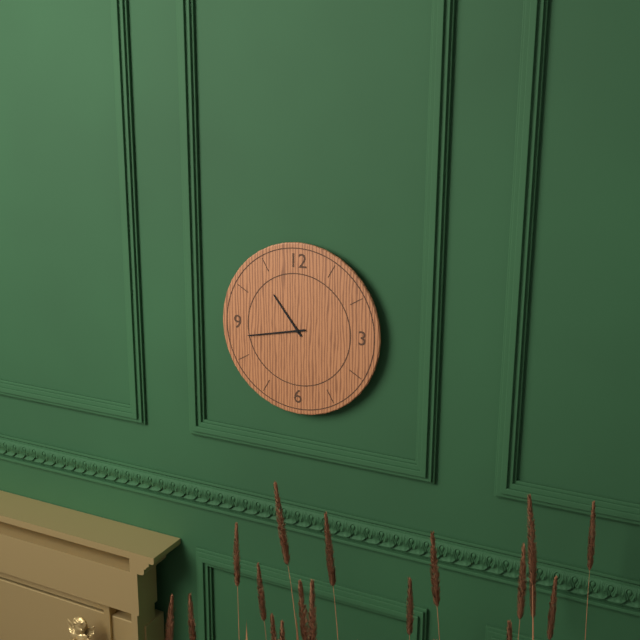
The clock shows 10:43
